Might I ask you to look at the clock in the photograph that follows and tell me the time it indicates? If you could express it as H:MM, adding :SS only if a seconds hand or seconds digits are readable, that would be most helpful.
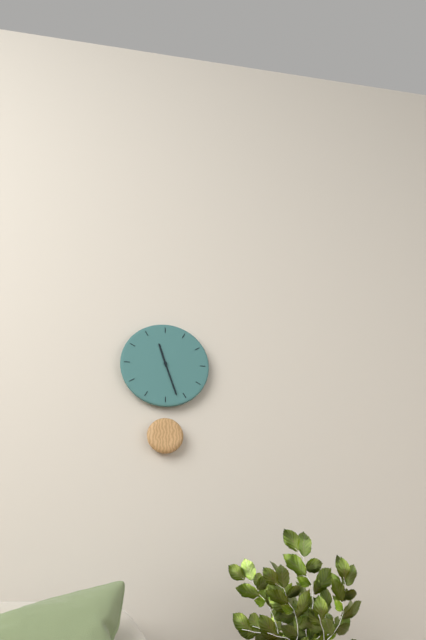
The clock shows 11:27
